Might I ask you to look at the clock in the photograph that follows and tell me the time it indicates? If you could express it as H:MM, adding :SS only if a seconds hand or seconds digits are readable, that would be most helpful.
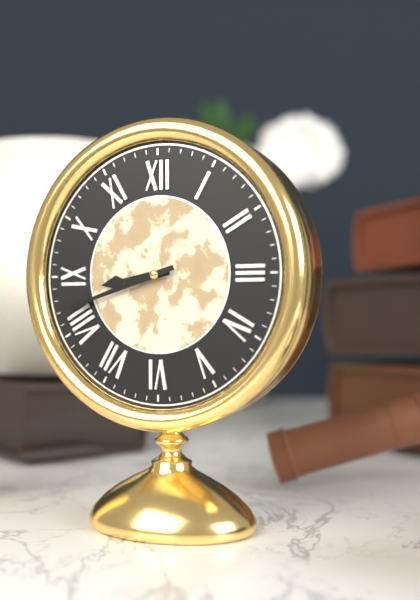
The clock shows 8:42
